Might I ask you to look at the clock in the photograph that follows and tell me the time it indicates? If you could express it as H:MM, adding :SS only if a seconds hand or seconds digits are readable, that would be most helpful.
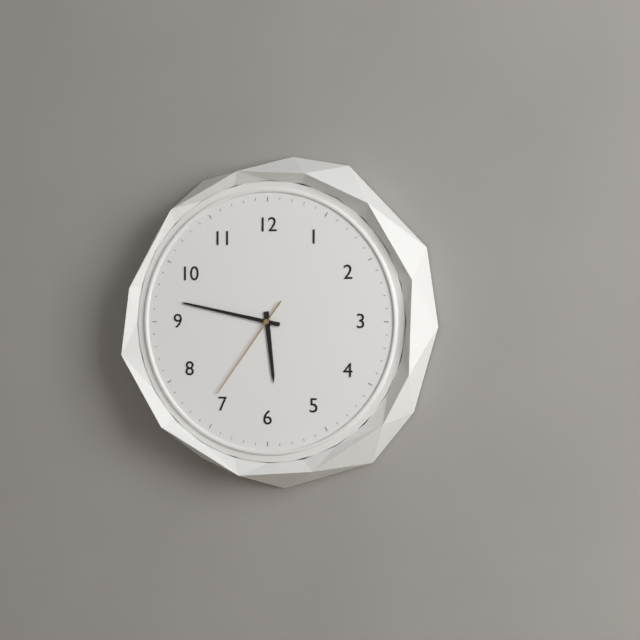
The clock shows 5:47:36
